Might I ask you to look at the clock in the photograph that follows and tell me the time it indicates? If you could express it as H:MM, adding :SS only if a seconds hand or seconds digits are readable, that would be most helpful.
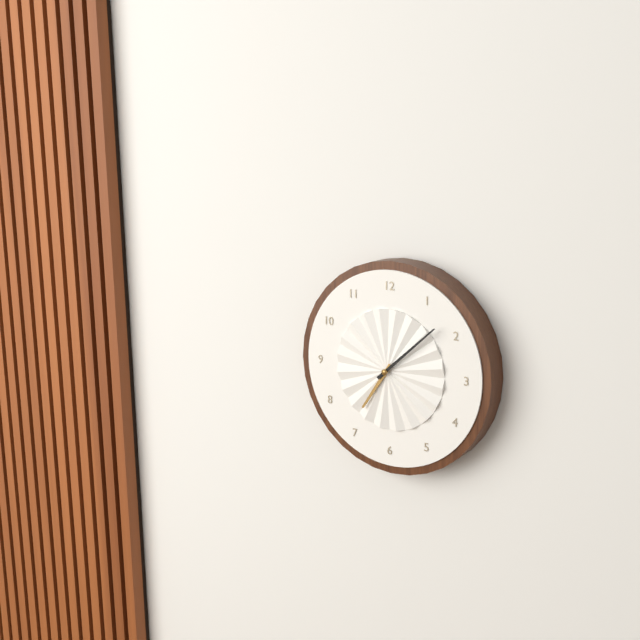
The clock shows 7:08
